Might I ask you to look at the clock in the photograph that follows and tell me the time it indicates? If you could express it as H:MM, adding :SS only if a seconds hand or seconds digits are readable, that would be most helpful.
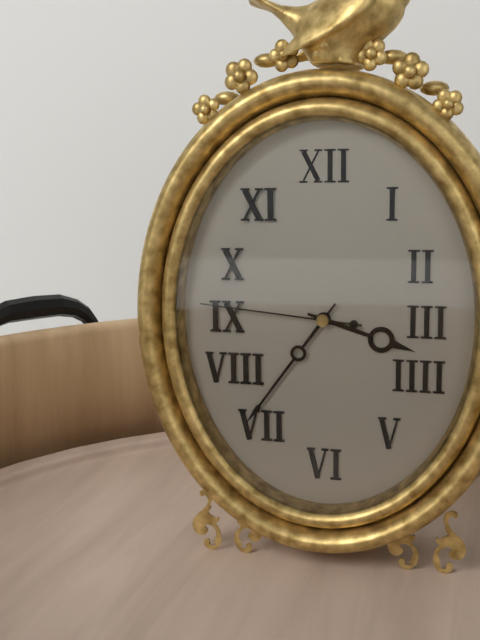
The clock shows 3:36:46
